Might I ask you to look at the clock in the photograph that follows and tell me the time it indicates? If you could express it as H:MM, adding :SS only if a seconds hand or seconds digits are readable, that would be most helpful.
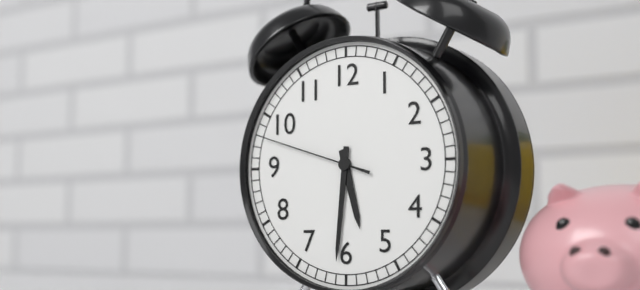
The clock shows 5:31:48
